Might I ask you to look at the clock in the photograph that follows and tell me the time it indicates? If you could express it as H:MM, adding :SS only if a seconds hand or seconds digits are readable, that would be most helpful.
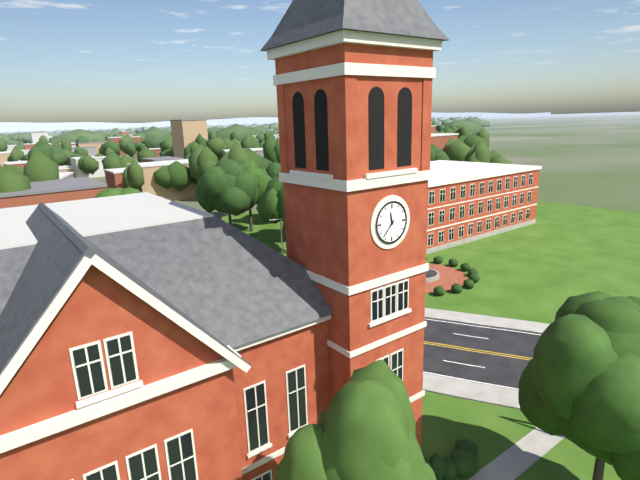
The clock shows 11:37
